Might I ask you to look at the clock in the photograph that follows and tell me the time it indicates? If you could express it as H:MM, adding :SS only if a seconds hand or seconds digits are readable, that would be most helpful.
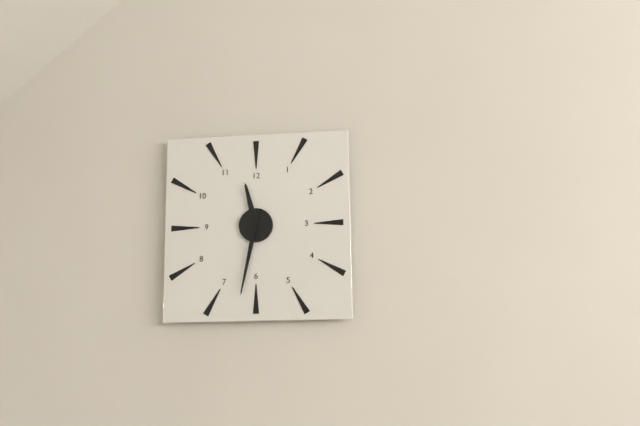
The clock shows 11:32
